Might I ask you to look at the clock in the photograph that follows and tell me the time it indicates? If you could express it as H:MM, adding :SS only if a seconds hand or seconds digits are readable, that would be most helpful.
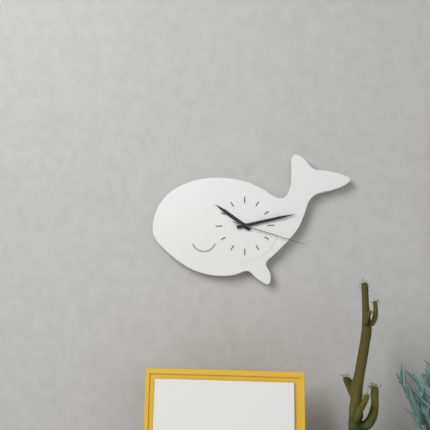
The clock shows 10:13:18
